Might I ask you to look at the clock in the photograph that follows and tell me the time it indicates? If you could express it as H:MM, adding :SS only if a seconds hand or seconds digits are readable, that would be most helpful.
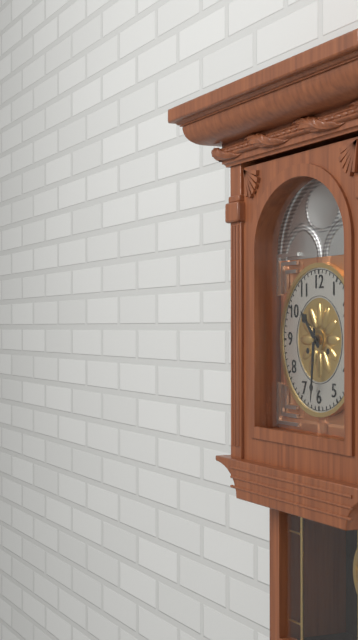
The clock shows 10:31
